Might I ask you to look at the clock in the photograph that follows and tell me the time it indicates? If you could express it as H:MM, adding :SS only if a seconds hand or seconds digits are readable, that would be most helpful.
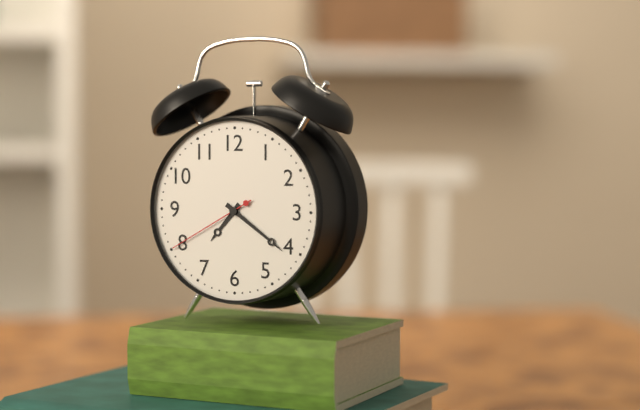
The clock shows 7:21:40
